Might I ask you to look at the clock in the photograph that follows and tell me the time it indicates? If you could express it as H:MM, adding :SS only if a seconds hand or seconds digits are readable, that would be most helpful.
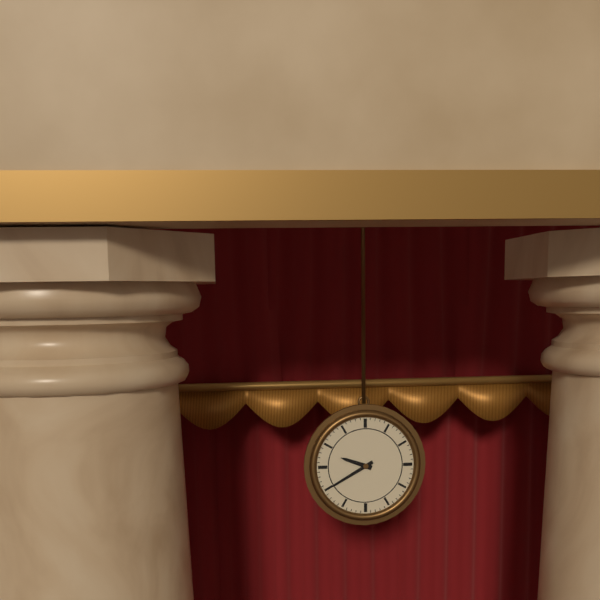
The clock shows 9:40
